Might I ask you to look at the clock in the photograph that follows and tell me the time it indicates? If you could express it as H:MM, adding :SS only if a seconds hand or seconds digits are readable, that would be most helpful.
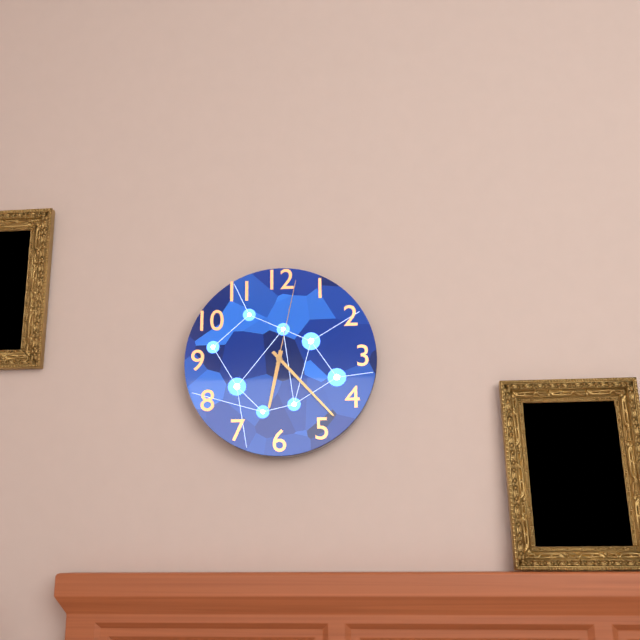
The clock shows 6:23:02
